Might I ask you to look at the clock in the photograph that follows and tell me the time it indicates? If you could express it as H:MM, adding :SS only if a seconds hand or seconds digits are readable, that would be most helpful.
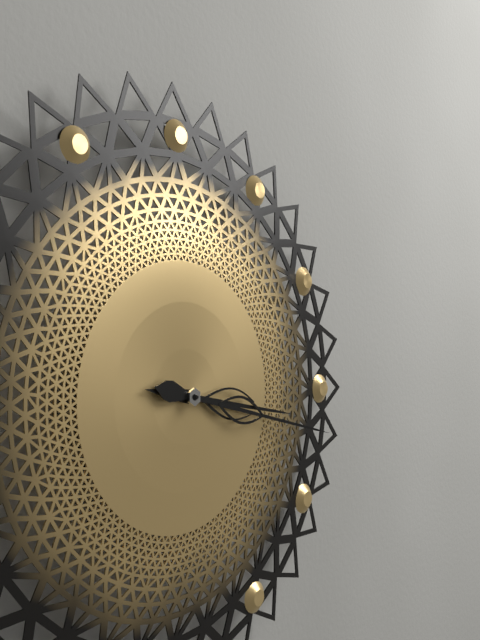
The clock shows 3:17
